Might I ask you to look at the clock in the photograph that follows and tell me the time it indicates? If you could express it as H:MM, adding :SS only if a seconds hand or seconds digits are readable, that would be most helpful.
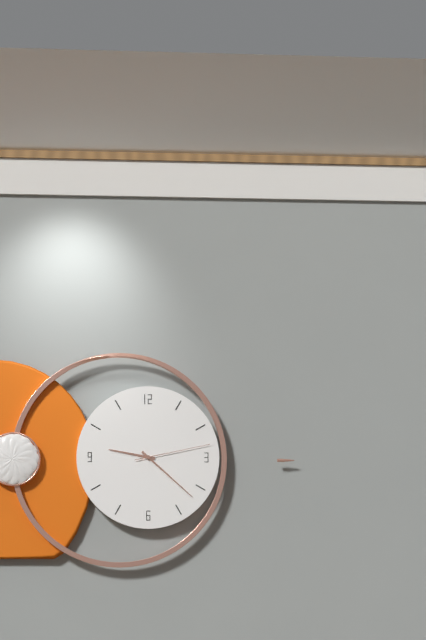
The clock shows 9:22:13
